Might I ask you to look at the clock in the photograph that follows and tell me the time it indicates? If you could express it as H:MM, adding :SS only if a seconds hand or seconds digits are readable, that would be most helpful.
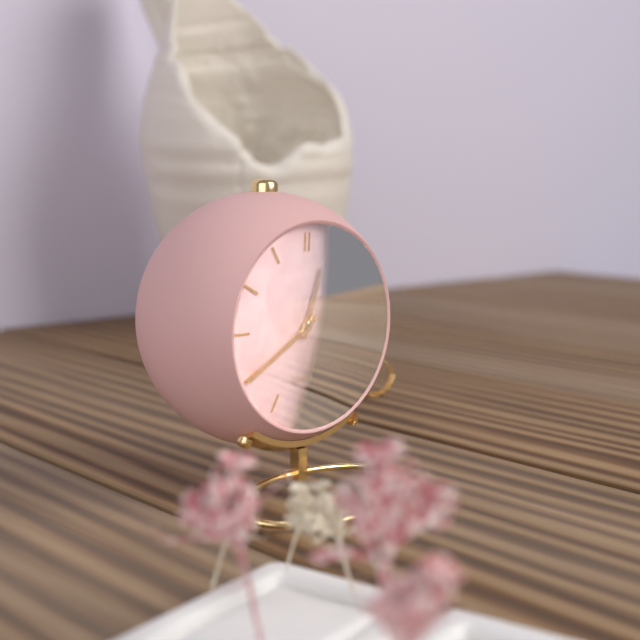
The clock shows 12:40:11
